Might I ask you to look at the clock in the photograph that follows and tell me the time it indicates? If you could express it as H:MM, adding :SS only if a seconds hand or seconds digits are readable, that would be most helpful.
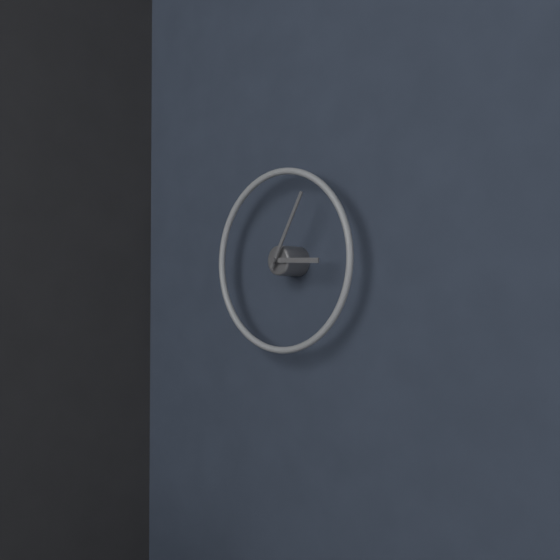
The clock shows 3:05
